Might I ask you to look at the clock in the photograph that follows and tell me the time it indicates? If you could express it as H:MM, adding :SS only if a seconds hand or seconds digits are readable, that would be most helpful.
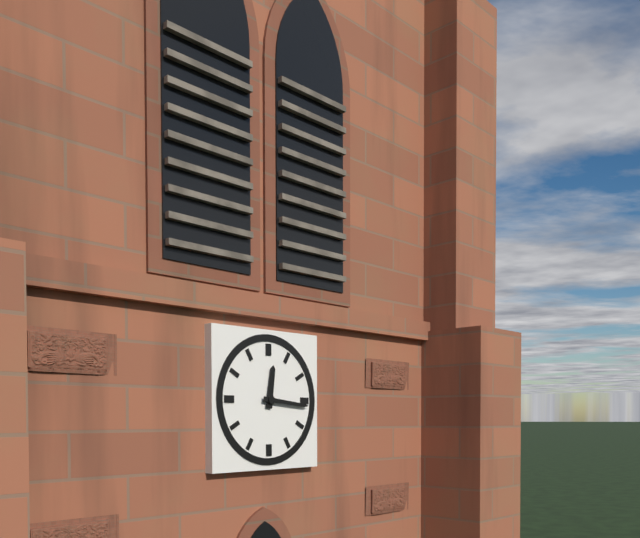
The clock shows 12:16
